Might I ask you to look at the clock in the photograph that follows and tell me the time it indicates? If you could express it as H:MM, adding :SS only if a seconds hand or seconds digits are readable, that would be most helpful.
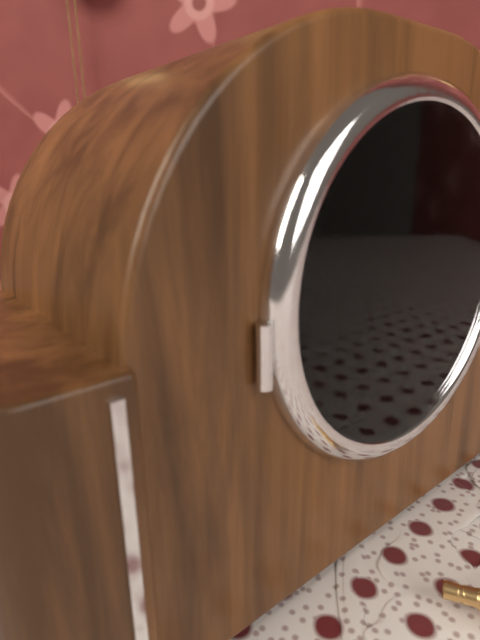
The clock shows 11:34
